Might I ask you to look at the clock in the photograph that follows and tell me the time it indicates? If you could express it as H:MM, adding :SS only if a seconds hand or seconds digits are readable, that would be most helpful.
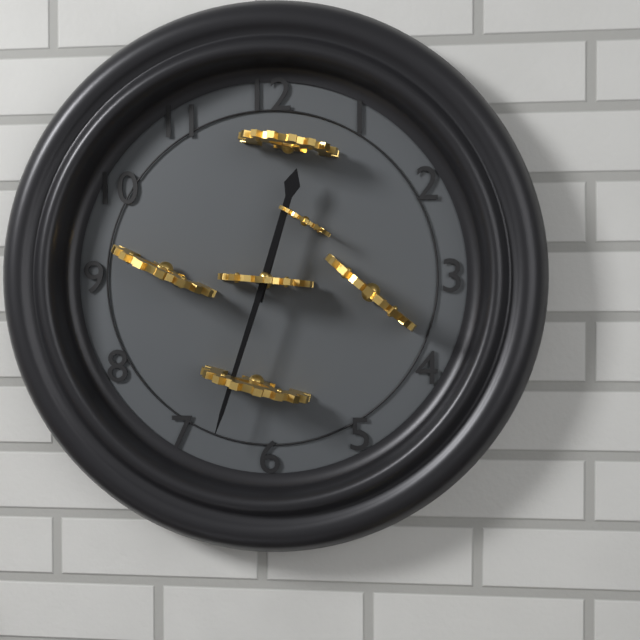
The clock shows 12:33
